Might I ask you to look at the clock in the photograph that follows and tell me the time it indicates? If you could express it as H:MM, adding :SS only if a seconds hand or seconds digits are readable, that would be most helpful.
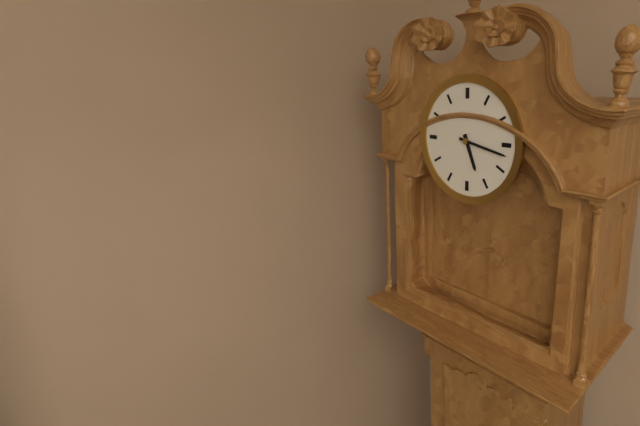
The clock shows 5:17
